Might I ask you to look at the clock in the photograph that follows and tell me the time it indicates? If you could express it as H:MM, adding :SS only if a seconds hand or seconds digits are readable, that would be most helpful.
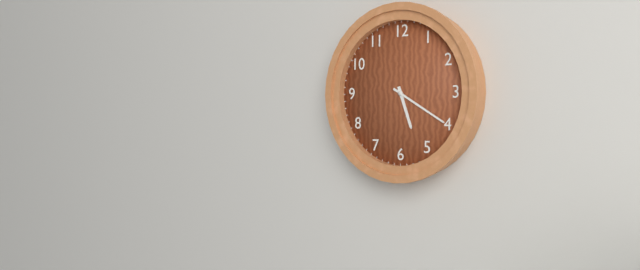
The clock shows 5:20
